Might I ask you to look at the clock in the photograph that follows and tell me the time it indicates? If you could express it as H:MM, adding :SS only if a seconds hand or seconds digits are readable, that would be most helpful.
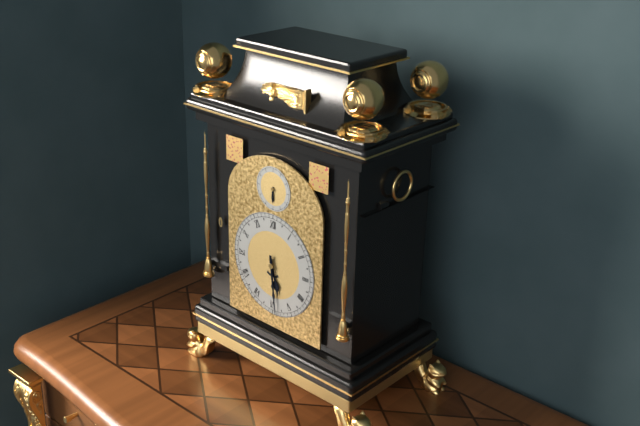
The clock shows 5:29
